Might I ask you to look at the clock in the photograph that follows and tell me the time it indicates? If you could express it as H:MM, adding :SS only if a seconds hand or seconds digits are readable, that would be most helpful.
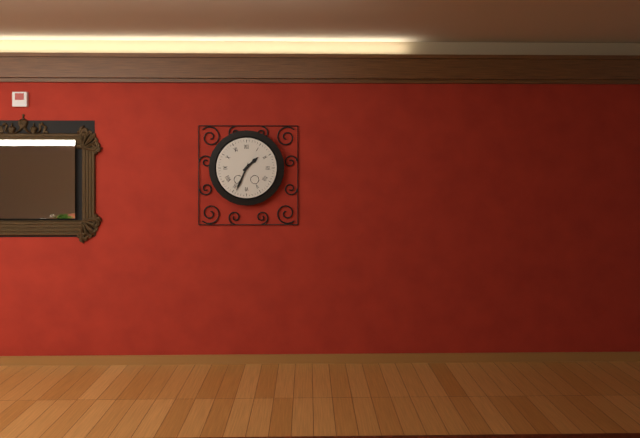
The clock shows 1:34
